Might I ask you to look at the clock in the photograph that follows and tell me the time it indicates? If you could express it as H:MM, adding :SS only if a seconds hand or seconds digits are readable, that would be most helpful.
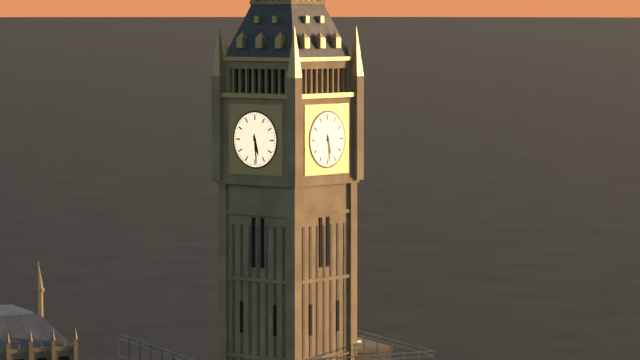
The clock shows 5:29
